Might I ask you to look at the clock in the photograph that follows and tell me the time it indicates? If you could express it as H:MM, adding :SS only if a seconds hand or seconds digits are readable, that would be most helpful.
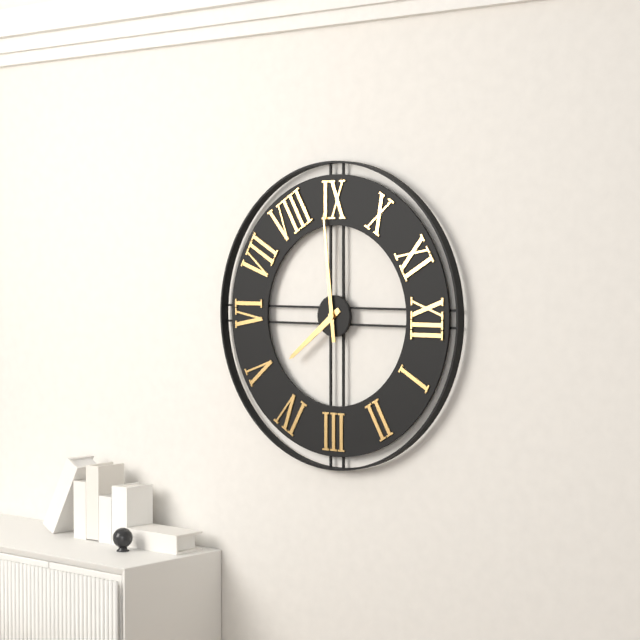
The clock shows 4:44
